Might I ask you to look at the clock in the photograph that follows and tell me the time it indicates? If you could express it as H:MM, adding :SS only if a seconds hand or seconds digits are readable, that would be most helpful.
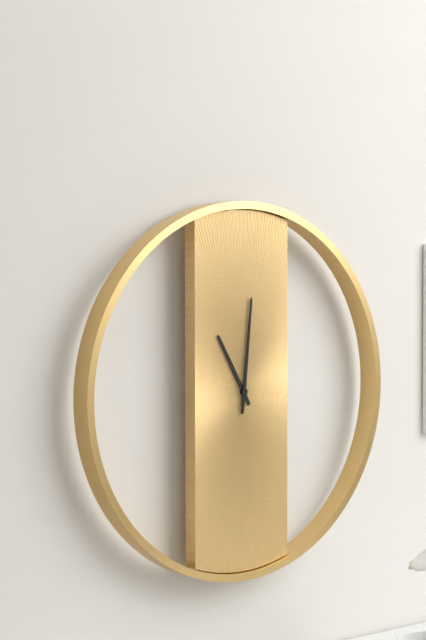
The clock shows 11:01
